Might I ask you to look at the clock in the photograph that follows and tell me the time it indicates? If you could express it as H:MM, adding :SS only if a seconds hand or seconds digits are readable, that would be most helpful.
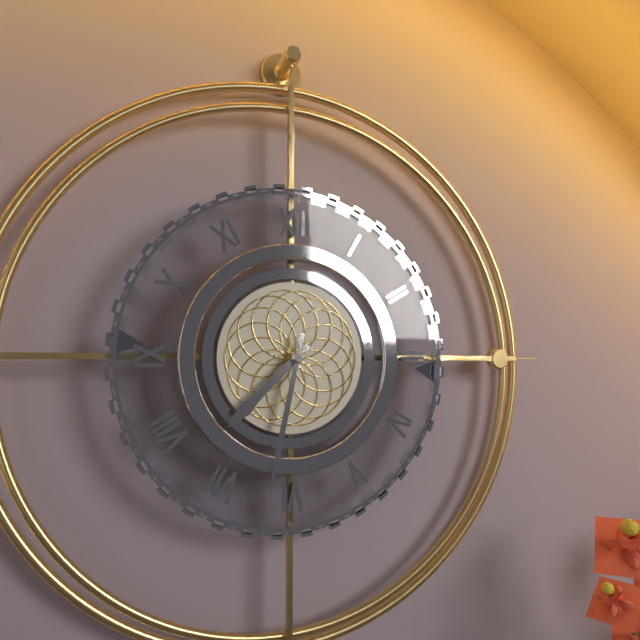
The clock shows 7:32
